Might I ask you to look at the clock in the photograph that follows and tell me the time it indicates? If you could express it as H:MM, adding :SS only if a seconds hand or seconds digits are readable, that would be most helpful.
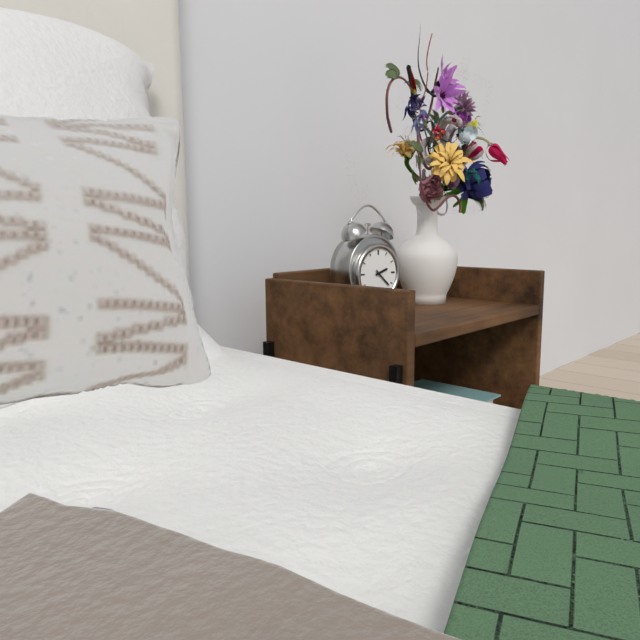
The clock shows 2:22
